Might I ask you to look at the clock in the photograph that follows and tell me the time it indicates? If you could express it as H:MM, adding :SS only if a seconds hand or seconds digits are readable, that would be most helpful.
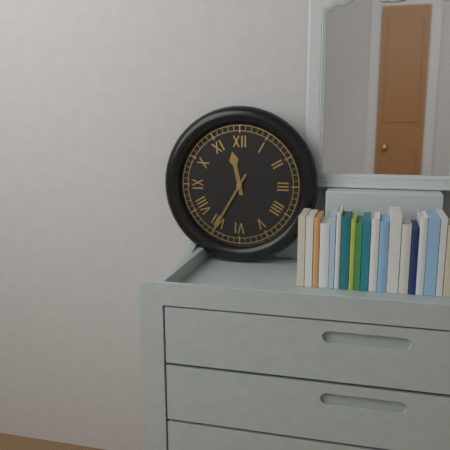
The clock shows 11:35
